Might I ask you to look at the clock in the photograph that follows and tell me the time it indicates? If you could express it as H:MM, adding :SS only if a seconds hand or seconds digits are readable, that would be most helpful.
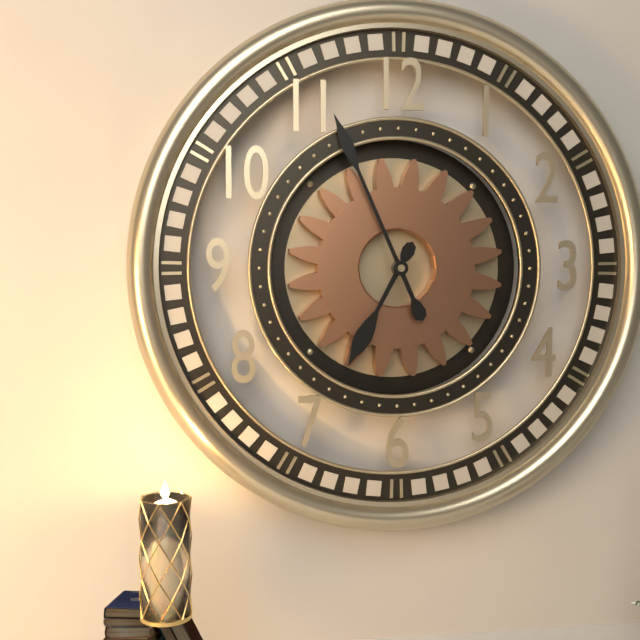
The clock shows 6:56
